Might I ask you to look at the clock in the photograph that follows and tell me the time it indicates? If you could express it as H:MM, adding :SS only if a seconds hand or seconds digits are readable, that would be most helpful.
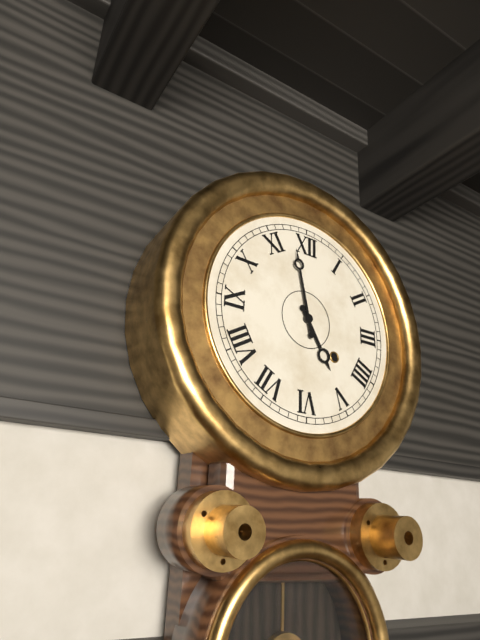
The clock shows 4:58
